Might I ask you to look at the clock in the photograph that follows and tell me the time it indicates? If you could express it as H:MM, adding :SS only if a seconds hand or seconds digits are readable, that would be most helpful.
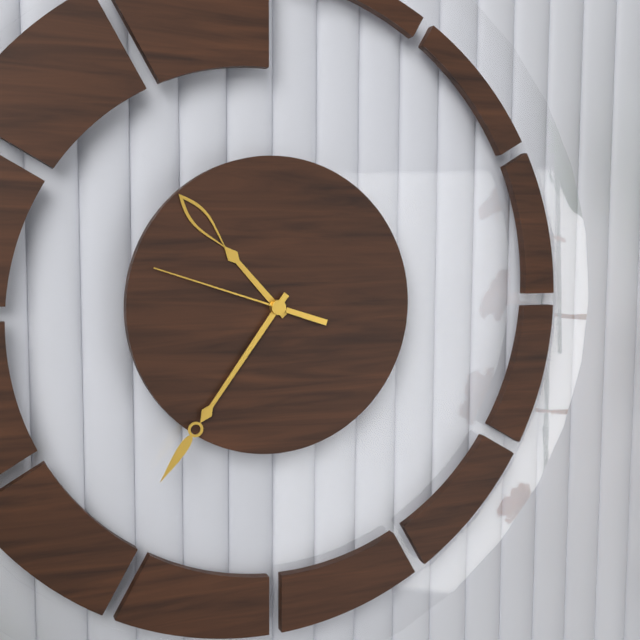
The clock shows 10:36:48
